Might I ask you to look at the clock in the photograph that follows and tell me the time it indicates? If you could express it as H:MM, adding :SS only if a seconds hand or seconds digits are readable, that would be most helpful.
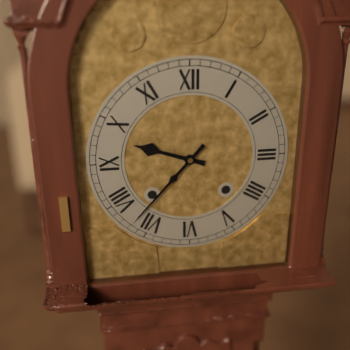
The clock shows 9:37
